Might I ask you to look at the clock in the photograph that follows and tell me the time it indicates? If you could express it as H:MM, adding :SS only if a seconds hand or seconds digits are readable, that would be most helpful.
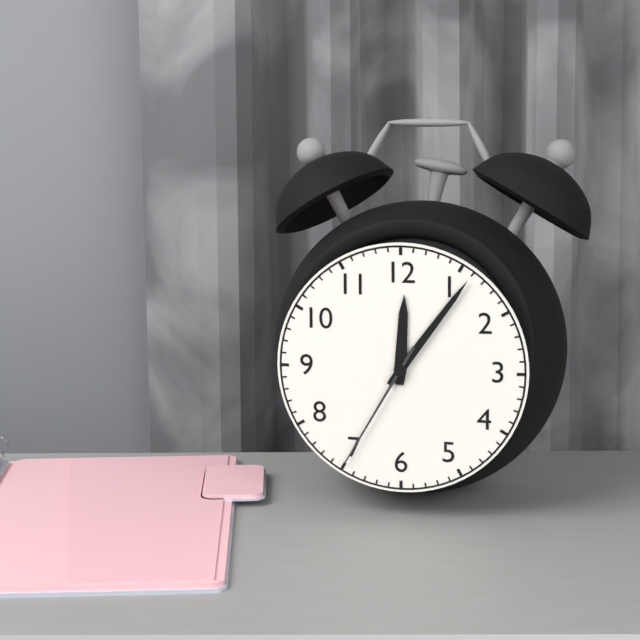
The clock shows 12:06:35
